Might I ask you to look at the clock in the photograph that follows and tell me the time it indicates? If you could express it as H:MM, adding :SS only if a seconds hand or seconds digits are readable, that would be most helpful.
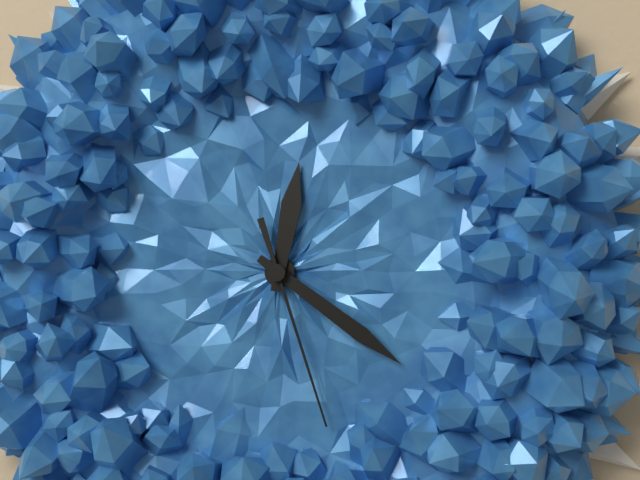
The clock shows 12:21:27
